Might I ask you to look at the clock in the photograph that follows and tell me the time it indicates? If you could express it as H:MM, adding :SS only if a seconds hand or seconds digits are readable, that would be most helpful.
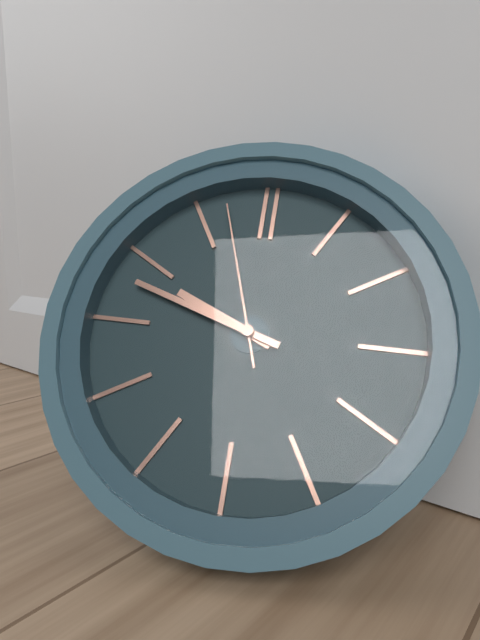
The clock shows 9:48:57
